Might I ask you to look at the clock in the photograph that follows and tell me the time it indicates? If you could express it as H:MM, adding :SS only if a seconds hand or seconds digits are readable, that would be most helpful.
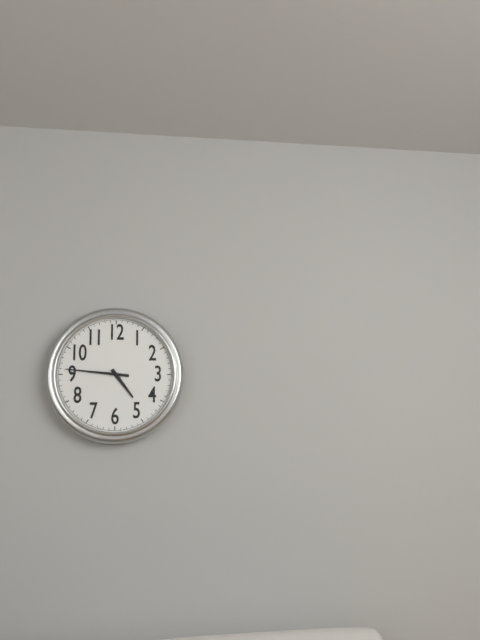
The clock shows 4:46
